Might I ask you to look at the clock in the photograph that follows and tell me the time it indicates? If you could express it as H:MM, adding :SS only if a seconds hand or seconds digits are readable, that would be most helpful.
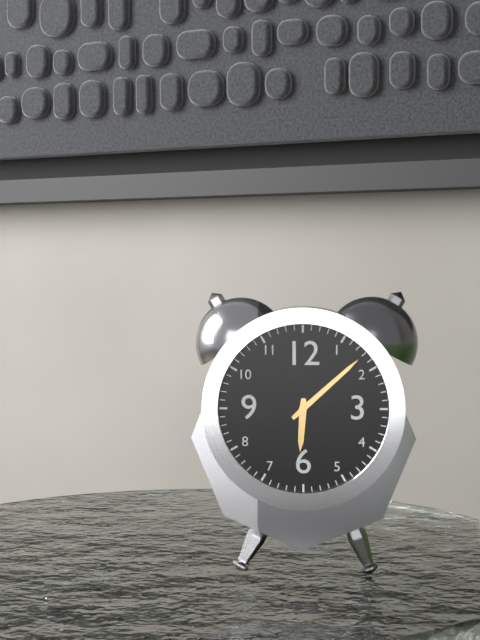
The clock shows 6:08
